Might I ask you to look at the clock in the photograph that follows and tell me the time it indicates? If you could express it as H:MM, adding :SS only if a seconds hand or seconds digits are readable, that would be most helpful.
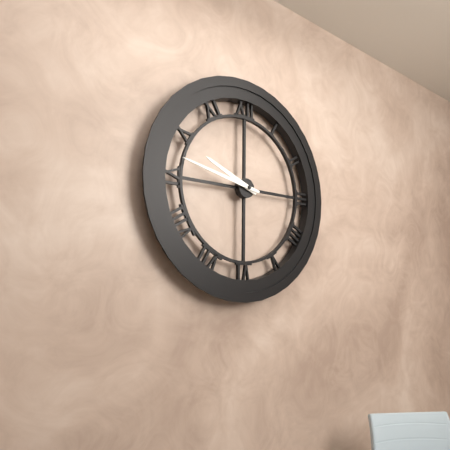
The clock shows 9:47
